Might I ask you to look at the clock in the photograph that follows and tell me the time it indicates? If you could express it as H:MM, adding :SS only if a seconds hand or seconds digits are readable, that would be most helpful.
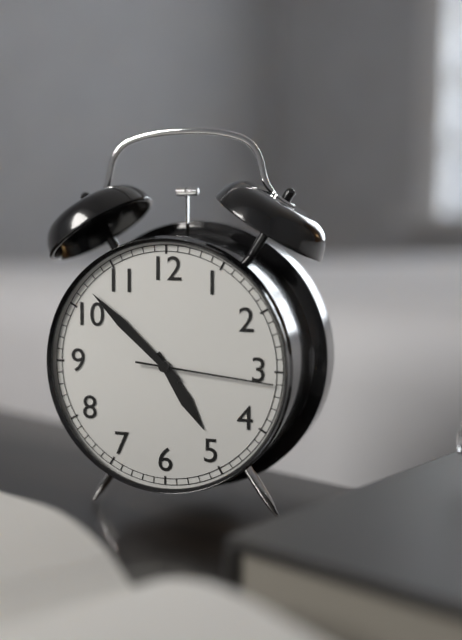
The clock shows 4:52:16
